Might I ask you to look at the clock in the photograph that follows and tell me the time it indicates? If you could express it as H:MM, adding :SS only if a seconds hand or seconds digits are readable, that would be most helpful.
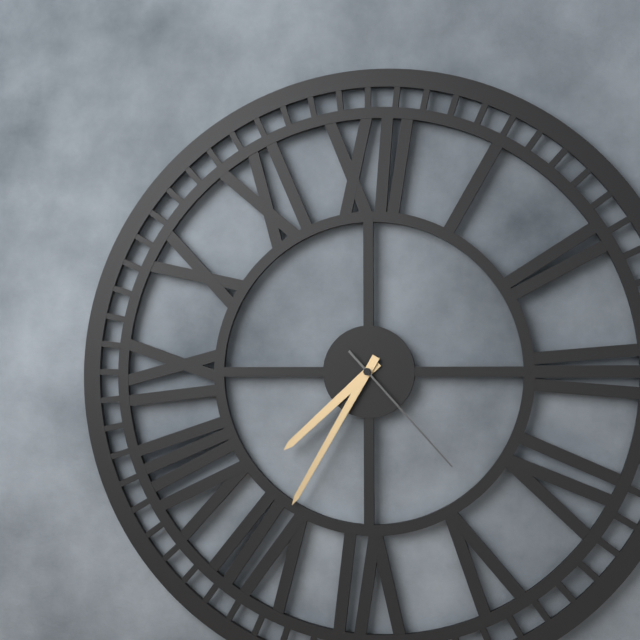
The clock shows 7:35:23
